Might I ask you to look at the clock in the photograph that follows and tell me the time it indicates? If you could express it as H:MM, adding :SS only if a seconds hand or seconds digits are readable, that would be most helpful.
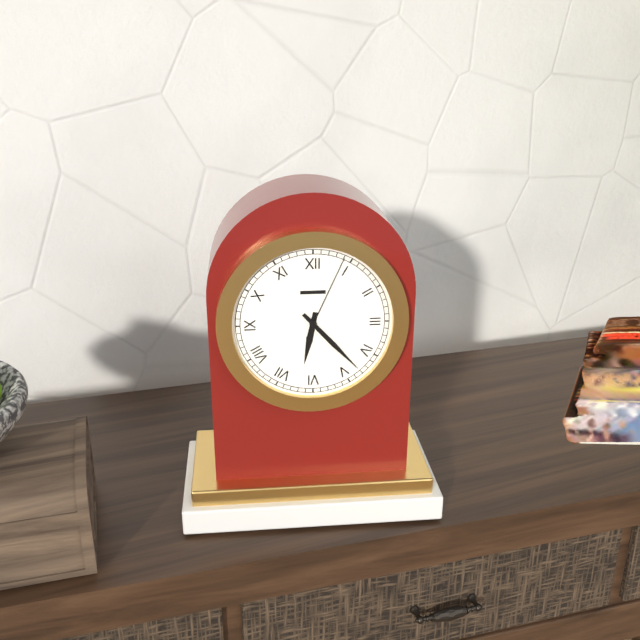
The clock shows 6:23:04
